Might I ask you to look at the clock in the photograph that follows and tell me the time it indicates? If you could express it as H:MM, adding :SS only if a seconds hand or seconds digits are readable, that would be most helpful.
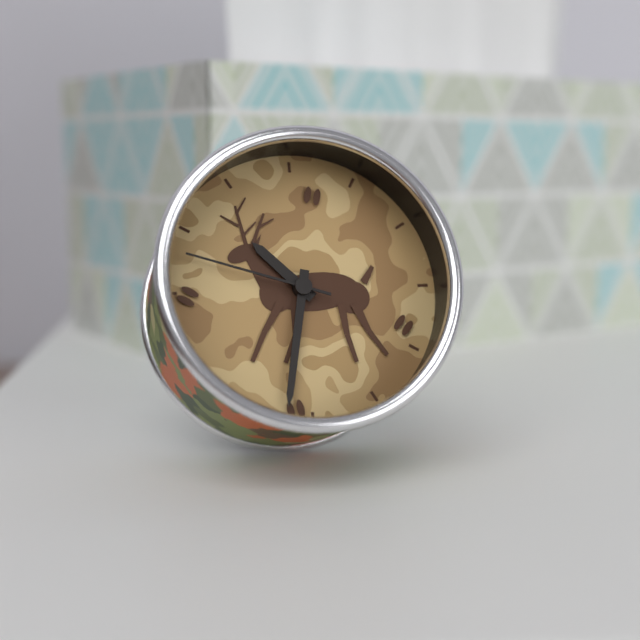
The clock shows 10:32:48
